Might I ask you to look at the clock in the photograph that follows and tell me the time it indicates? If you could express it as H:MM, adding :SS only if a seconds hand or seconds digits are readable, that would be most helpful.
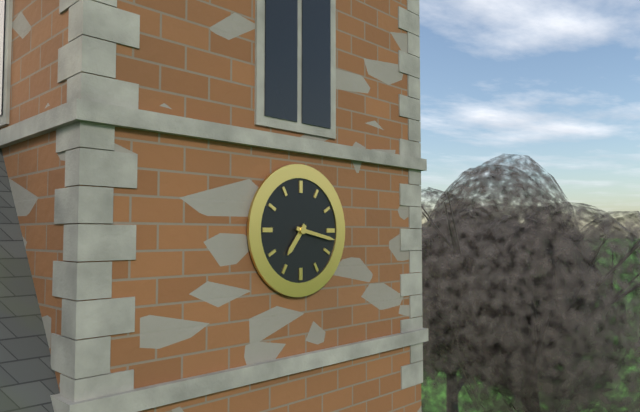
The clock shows 7:17
